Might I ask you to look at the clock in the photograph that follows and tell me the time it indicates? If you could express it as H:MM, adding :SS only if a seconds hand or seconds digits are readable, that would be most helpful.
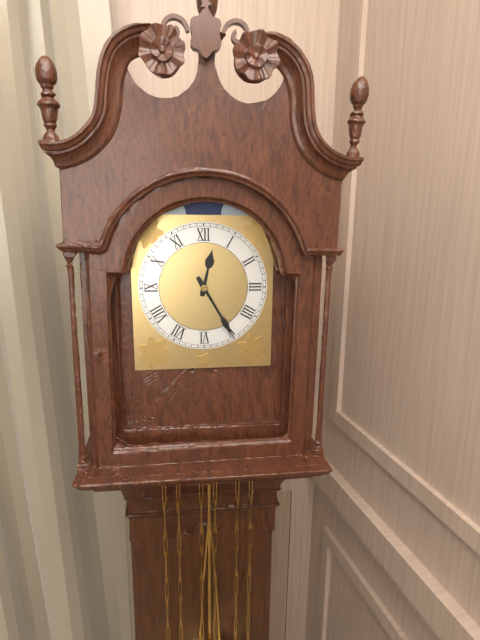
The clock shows 12:25
